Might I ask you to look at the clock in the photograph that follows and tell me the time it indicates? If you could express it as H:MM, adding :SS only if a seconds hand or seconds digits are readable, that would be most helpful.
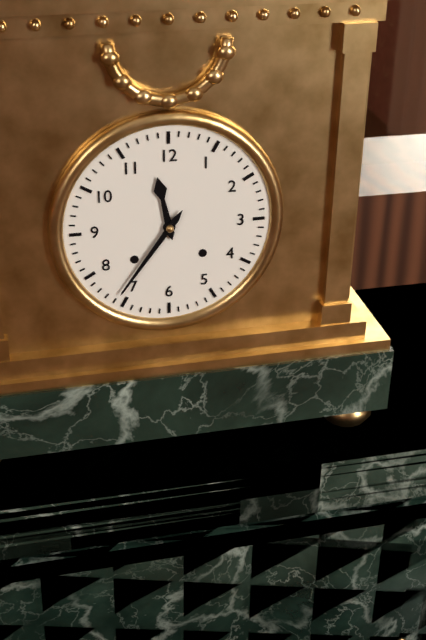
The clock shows 11:36
